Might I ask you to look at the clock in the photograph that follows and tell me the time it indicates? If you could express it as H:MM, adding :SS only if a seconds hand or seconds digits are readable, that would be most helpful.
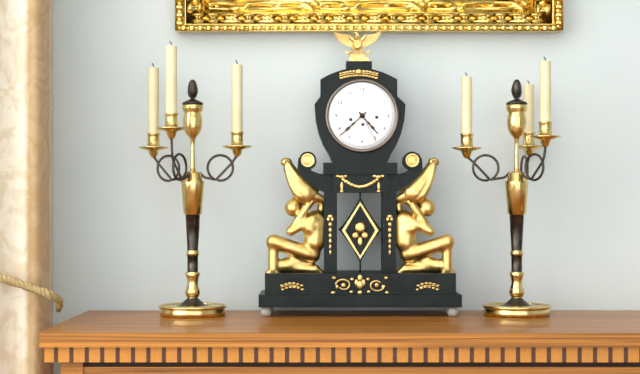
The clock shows 4:38
